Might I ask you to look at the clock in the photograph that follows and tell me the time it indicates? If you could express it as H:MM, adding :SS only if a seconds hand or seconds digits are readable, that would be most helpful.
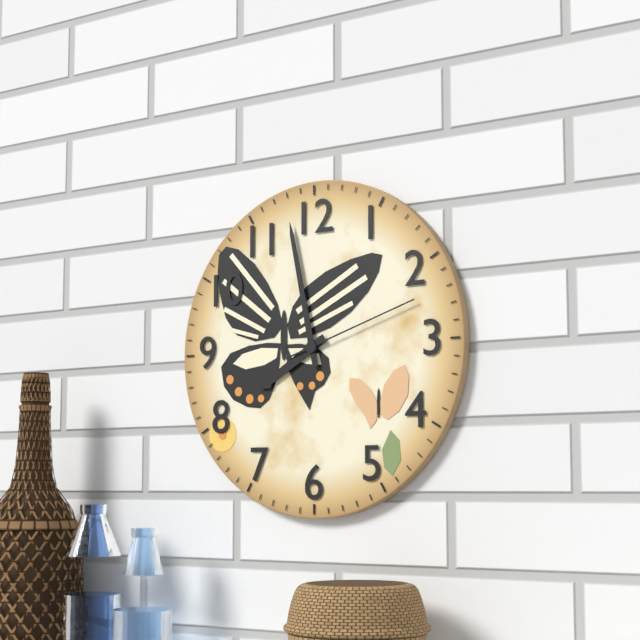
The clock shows 7:58:12
